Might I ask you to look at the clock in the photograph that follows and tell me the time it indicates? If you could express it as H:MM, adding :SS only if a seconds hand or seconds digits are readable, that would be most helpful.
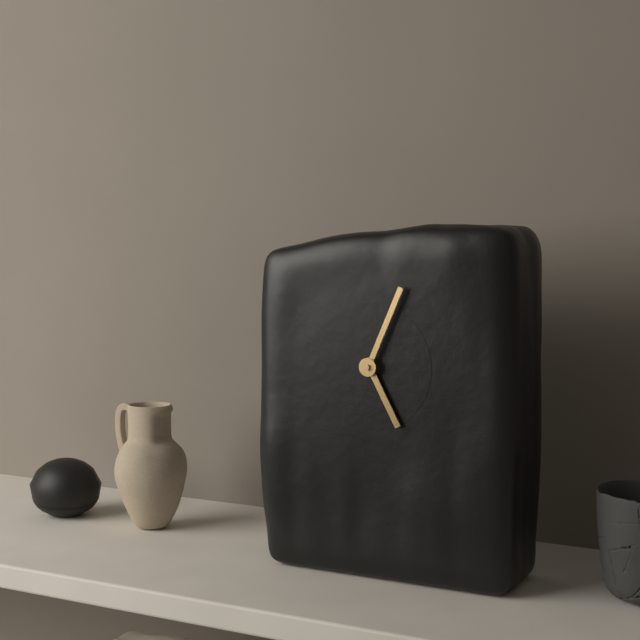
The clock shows 5:04
